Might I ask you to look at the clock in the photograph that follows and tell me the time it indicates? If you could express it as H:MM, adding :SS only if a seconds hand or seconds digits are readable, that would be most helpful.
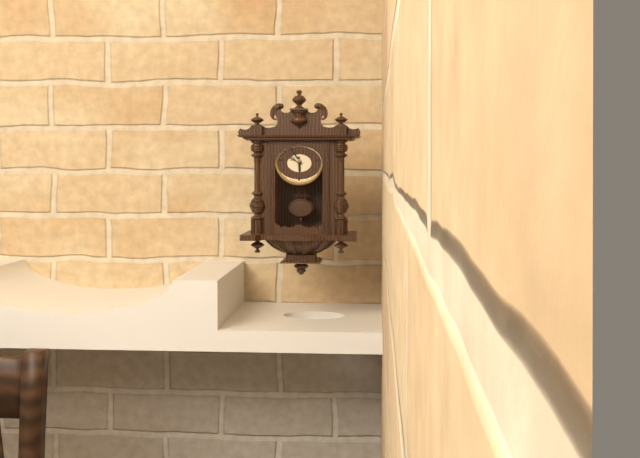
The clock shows 5:54
